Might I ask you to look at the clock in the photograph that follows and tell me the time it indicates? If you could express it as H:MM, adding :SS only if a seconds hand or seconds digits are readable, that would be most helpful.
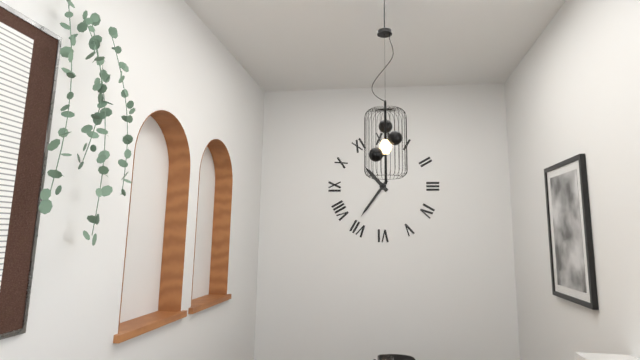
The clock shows 10:36
